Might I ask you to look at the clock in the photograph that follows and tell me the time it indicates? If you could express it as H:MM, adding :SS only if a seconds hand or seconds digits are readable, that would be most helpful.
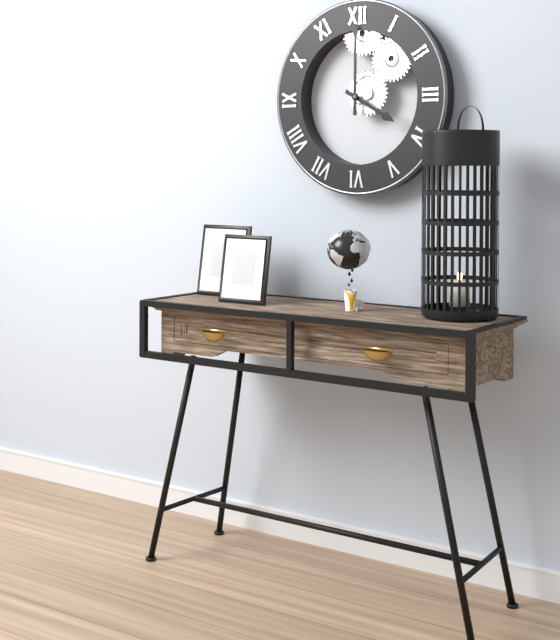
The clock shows 4:00
